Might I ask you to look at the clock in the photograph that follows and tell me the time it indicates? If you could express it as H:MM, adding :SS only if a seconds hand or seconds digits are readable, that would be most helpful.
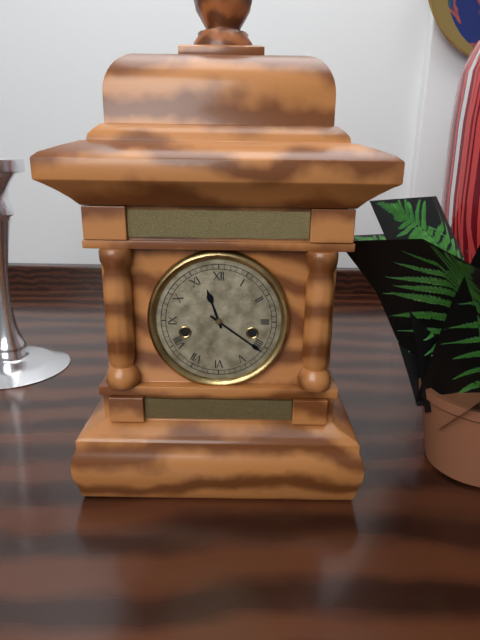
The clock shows 11:21
